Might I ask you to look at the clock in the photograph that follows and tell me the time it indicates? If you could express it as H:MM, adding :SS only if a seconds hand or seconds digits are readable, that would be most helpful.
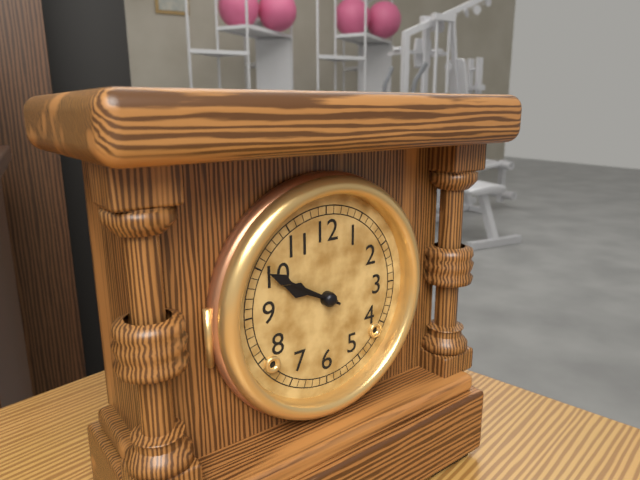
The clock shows 9:50
